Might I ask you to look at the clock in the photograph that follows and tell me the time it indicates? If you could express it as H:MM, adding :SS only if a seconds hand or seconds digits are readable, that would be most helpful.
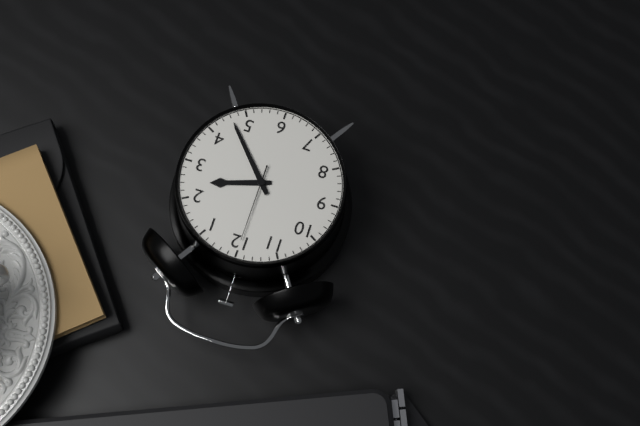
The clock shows 2:23:00
